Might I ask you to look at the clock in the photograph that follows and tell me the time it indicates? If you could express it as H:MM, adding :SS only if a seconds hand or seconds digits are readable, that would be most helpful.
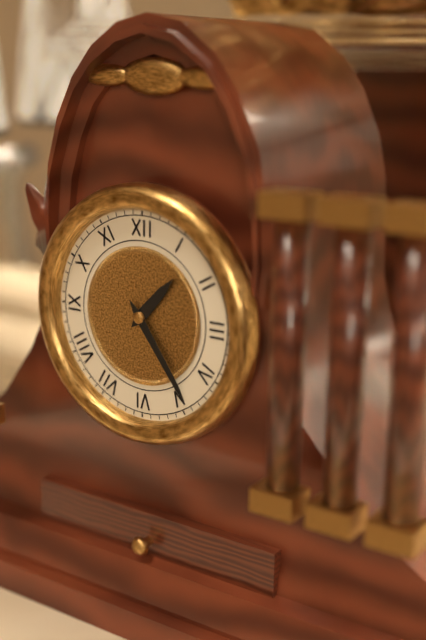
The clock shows 1:24
